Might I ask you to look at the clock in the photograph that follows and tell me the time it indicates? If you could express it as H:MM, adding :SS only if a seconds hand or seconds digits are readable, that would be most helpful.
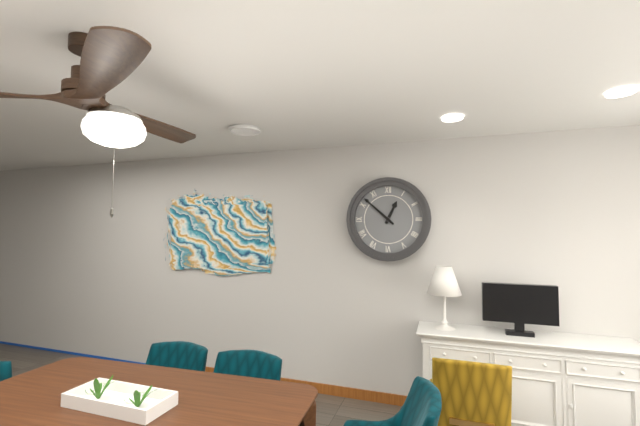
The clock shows 12:52
